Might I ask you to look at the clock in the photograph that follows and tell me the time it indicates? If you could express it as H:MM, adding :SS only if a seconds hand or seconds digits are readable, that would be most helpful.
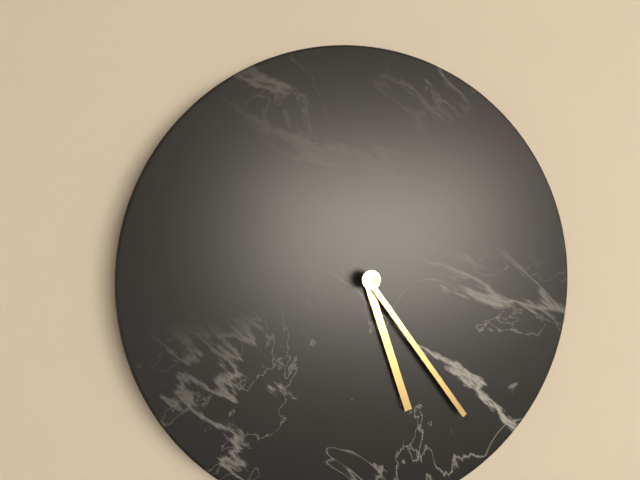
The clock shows 5:24
